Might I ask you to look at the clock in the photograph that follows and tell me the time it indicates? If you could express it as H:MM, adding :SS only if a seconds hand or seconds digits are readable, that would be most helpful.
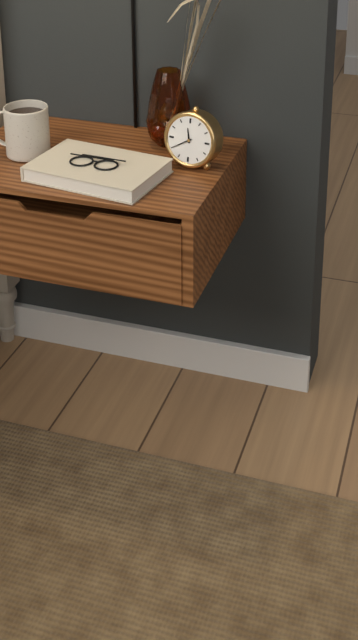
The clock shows 11:40
